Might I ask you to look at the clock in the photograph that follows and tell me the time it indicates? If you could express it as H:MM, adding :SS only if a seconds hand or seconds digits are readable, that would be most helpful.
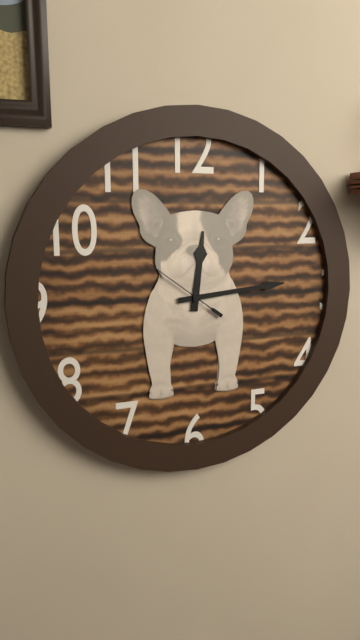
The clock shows 12:14:51
